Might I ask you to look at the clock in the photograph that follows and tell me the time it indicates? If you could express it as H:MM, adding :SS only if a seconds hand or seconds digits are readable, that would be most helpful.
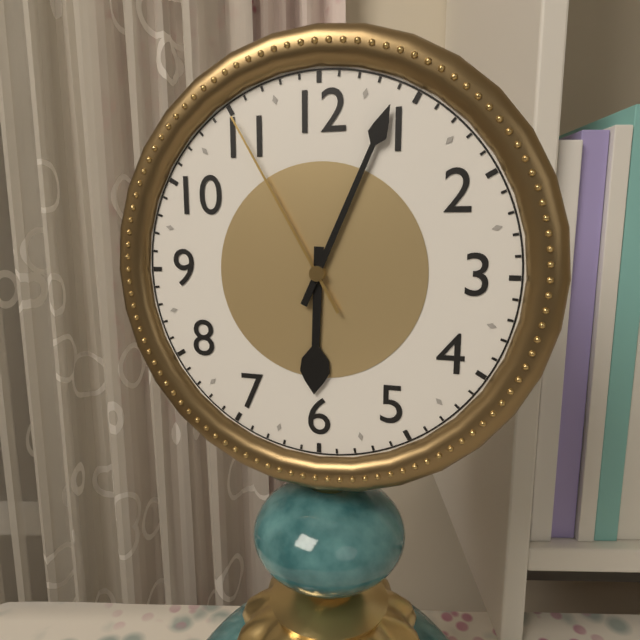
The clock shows 6:04:55
